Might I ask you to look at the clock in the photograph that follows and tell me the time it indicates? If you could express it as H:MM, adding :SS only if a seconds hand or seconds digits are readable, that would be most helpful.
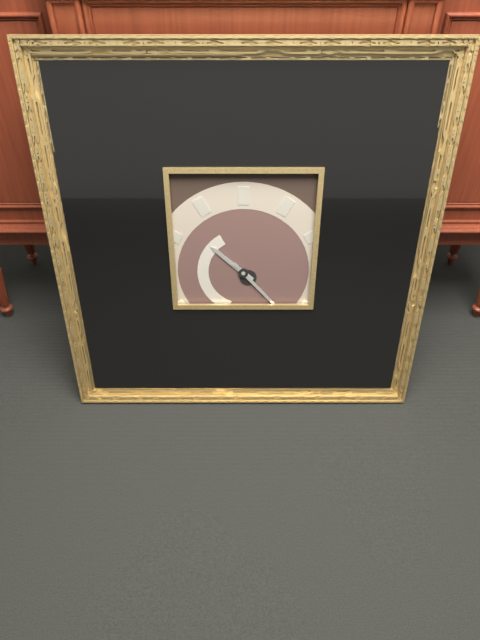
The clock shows 10:23
